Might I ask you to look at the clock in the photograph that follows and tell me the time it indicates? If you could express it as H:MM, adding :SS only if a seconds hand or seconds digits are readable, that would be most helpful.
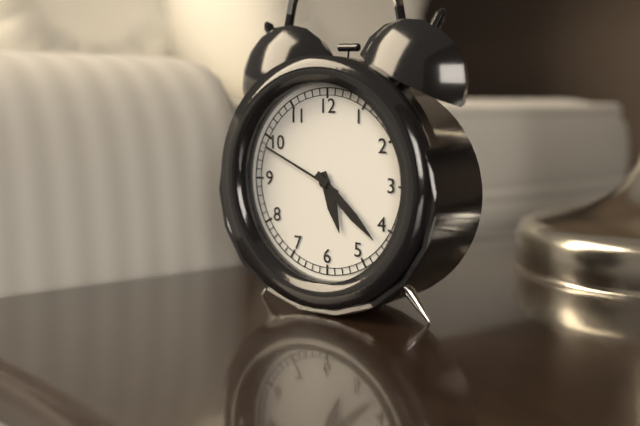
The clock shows 5:22:49
